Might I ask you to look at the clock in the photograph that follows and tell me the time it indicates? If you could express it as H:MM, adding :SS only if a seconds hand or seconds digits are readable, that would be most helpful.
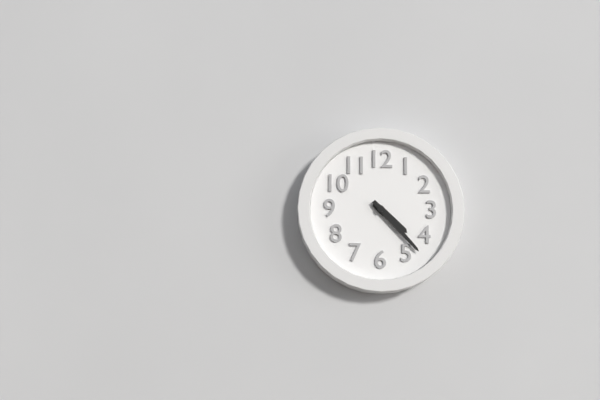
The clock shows 4:23
